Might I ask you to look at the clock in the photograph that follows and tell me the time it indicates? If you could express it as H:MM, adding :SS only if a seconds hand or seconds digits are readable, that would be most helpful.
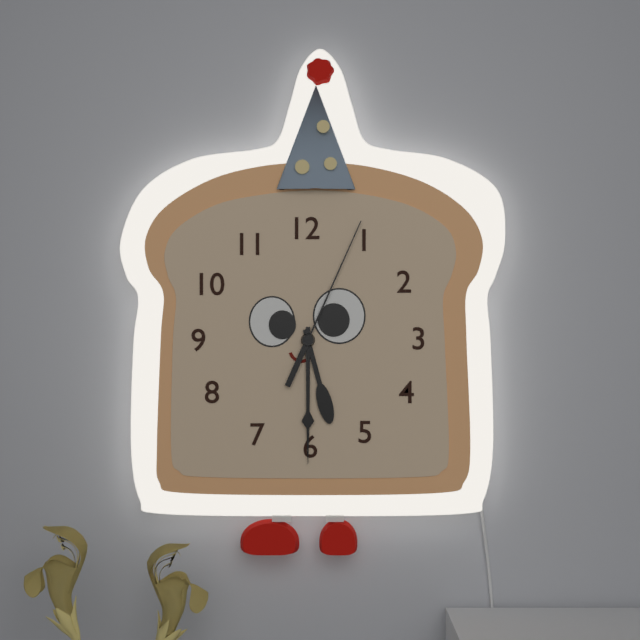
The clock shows 5:30:04
